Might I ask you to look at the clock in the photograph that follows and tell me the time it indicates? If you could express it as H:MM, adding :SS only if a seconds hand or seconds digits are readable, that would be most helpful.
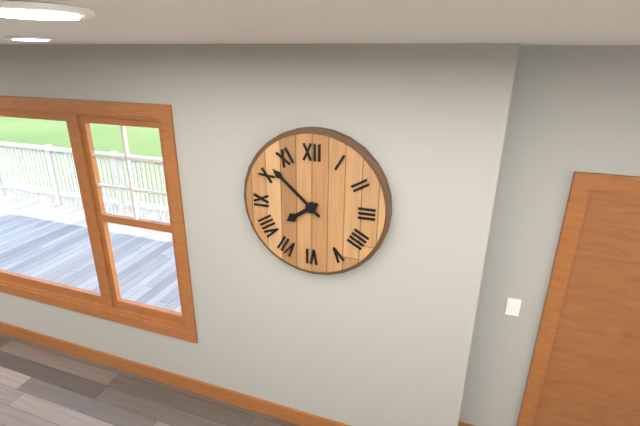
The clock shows 7:52
